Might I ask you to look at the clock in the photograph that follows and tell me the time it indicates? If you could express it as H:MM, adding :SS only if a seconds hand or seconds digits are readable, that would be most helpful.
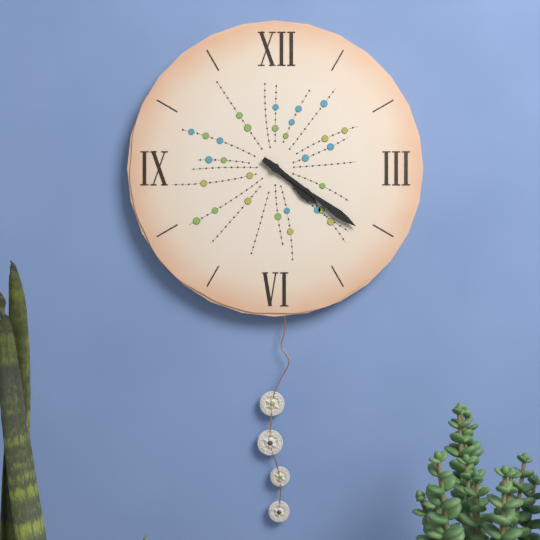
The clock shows 4:21
